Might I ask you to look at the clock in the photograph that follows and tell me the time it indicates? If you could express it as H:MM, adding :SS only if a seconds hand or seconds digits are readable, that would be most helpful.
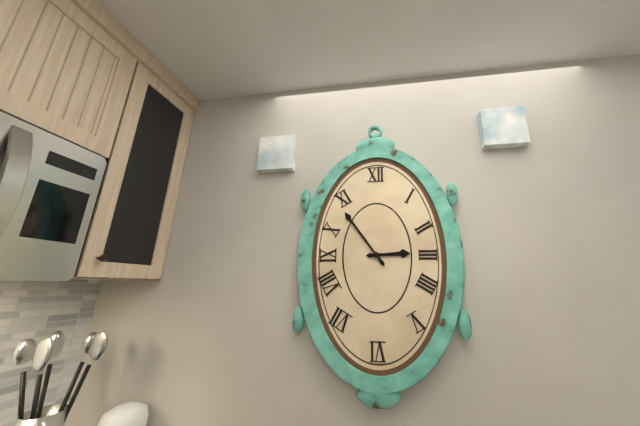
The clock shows 2:54
